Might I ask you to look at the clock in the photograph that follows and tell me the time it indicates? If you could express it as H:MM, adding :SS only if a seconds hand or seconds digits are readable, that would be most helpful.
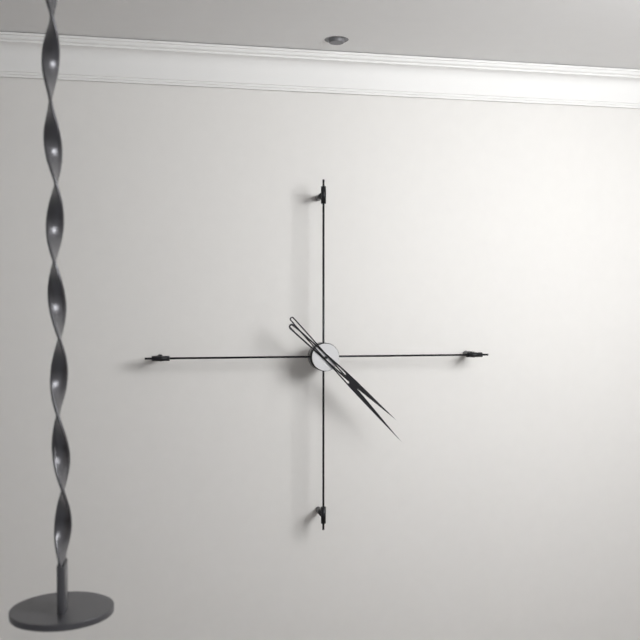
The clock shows 4:23
